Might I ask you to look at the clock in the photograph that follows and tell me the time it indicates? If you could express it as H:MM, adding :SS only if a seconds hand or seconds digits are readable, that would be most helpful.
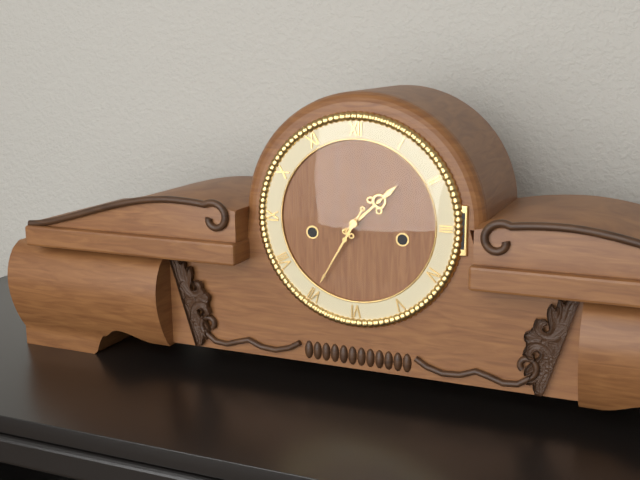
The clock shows 1:35
